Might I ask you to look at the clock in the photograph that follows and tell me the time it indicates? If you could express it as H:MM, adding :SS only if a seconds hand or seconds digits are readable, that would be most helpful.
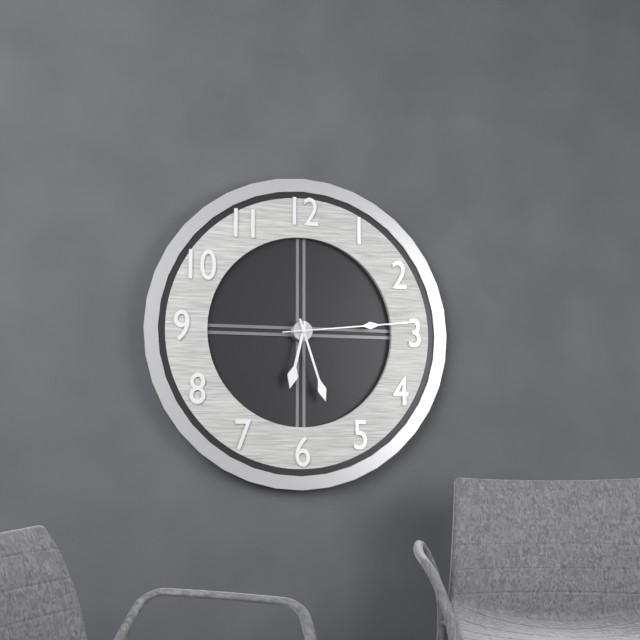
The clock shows 6:27:14
